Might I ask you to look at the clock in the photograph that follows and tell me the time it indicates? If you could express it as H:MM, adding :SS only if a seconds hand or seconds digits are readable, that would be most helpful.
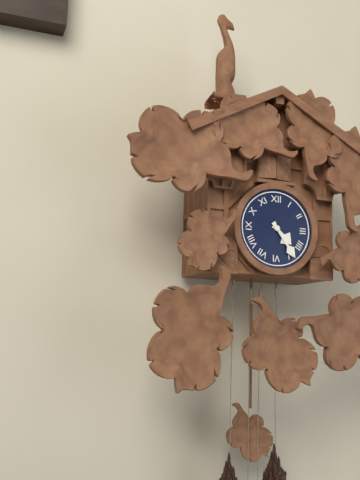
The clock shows 4:24
